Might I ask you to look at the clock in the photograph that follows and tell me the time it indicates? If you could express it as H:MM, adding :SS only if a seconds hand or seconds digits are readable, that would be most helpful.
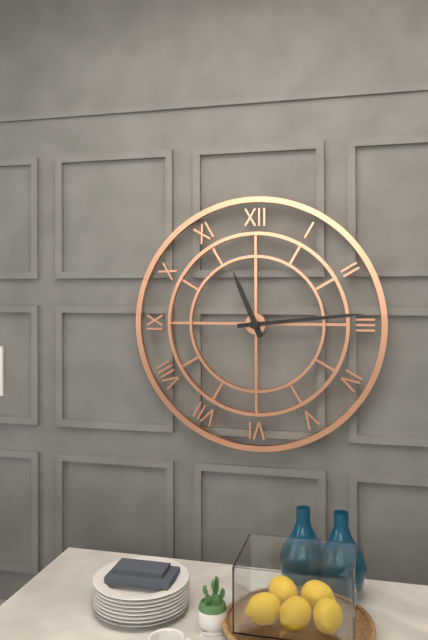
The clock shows 11:14
